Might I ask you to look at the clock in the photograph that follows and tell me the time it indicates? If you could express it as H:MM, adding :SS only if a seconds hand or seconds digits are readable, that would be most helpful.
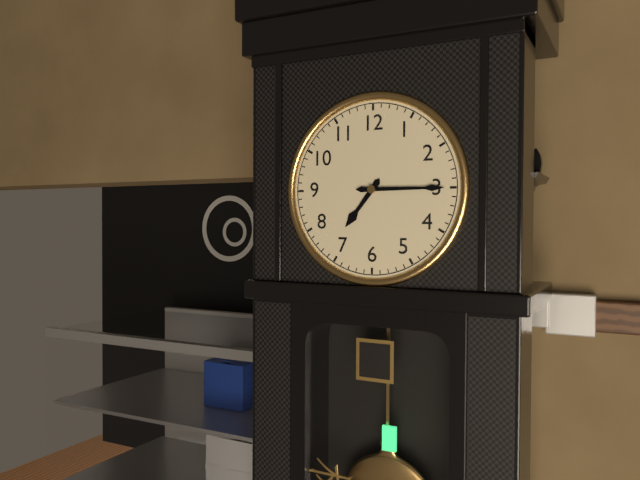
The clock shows 7:15
